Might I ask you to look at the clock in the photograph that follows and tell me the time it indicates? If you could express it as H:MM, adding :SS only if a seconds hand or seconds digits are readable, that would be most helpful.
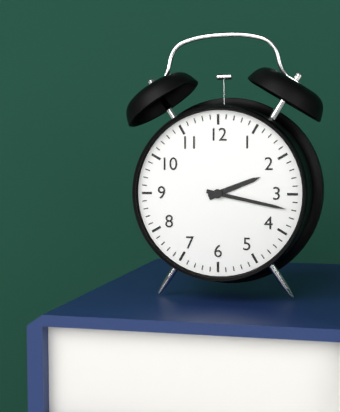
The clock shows 2:17
